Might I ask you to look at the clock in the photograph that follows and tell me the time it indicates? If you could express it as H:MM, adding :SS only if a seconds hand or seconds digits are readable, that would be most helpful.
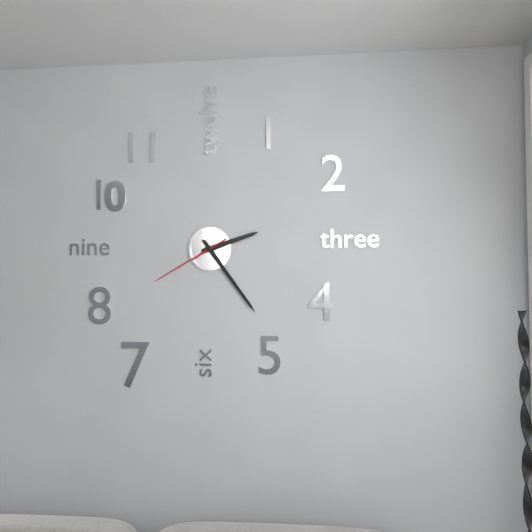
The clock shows 2:24:40
